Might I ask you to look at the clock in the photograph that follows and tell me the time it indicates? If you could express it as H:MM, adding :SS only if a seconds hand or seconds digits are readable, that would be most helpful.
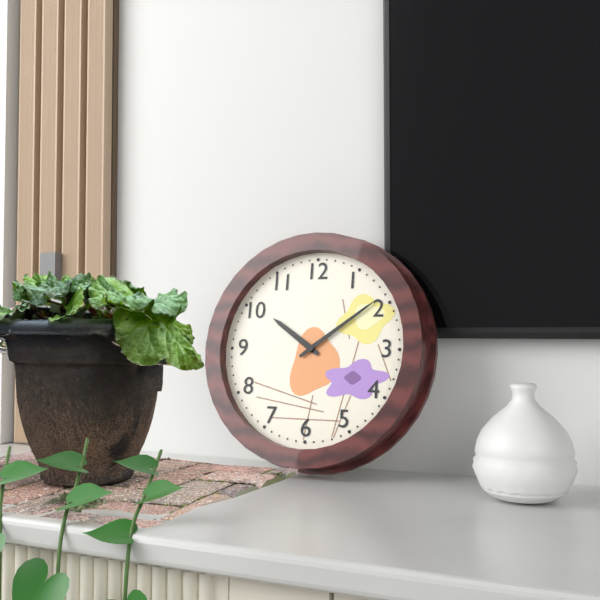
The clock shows 10:09
